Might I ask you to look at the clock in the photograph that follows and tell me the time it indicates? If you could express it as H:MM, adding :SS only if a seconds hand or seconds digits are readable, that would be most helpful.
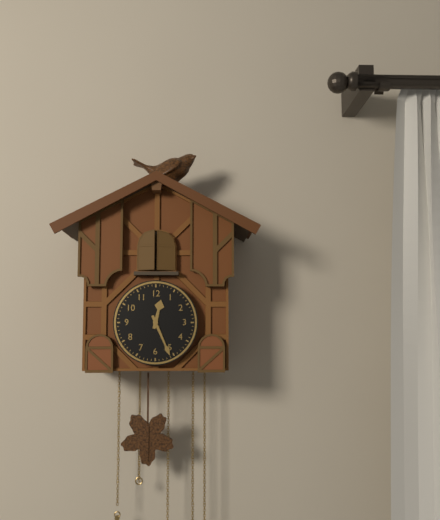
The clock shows 12:26
